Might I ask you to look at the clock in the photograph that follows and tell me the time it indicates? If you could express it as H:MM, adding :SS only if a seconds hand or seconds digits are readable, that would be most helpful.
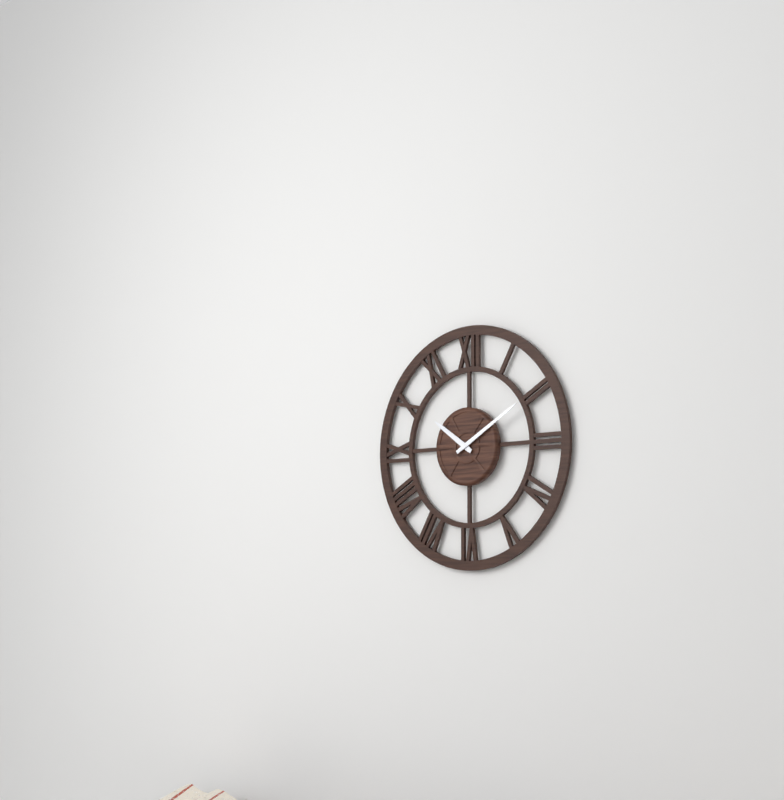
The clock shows 10:10
